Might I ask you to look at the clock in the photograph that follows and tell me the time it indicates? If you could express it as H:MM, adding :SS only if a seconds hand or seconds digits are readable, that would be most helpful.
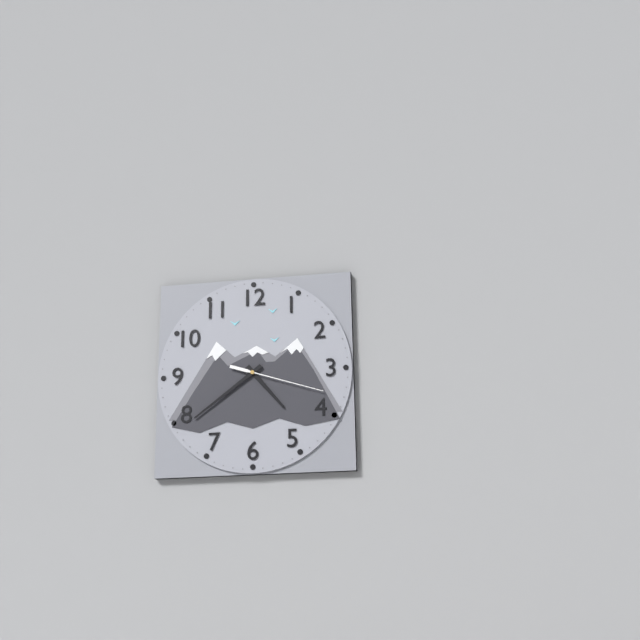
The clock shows 4:39:18
